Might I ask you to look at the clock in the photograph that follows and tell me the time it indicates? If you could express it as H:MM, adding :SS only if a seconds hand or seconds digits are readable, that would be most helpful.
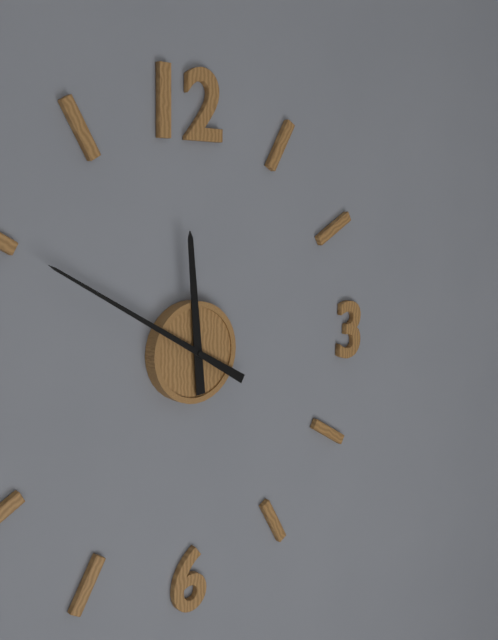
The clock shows 11:50
